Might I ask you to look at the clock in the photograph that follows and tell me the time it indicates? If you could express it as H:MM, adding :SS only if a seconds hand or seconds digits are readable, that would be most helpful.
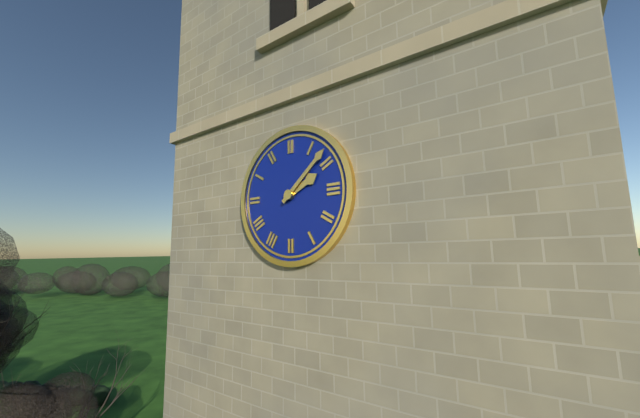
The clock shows 2:08
